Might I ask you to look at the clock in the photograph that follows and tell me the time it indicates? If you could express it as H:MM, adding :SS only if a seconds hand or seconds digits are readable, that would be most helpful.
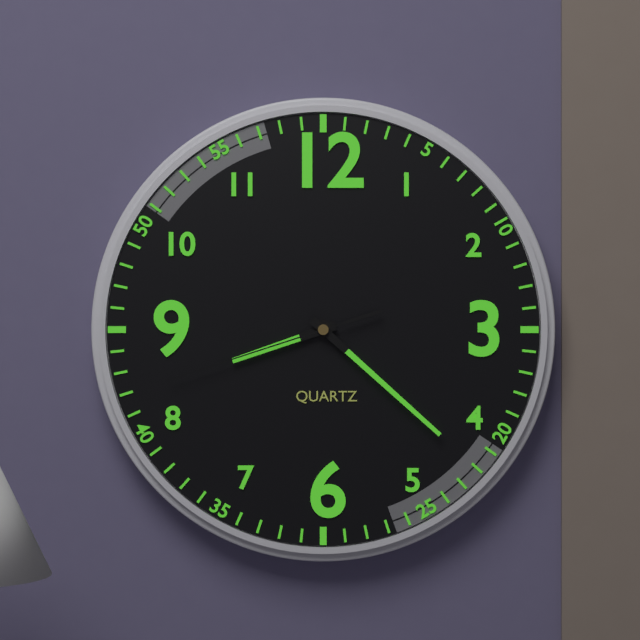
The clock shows 8:22:42
